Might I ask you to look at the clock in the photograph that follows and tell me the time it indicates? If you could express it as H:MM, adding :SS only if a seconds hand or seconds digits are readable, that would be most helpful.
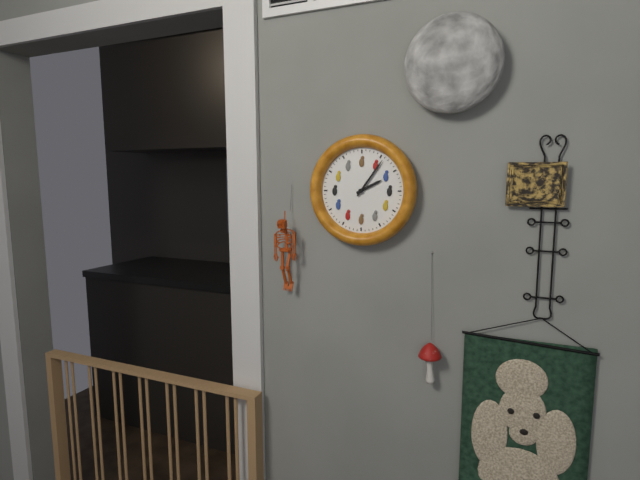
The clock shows 2:06
